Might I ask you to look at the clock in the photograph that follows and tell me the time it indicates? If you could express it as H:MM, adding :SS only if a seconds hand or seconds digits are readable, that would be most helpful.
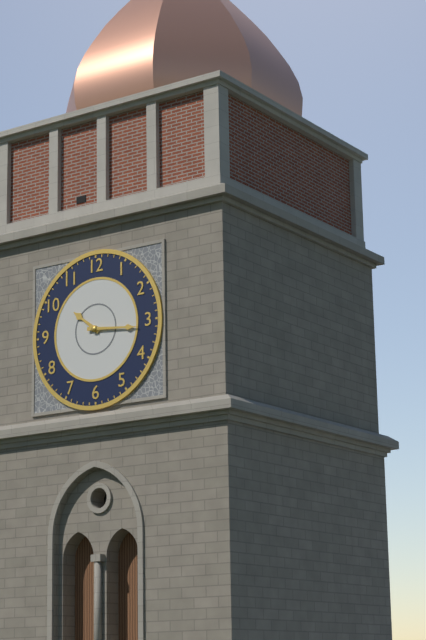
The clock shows 10:16
